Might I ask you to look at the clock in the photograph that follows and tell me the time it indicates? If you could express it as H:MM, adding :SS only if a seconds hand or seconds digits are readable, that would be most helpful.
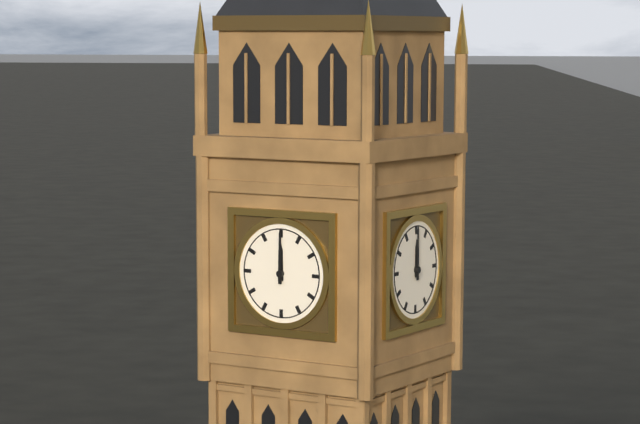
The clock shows 12:00
